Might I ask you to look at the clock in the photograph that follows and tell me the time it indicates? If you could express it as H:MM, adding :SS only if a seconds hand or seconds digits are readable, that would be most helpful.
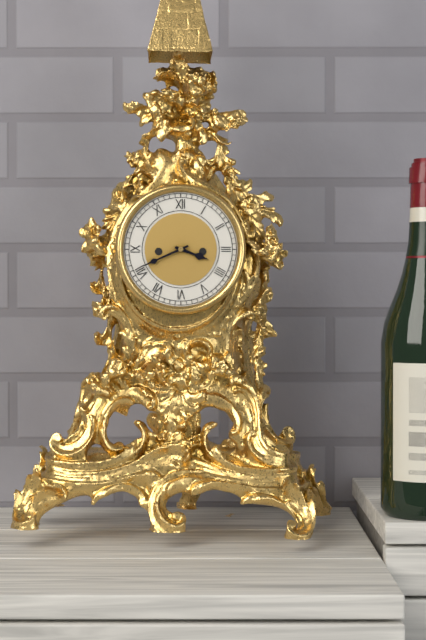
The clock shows 3:41
